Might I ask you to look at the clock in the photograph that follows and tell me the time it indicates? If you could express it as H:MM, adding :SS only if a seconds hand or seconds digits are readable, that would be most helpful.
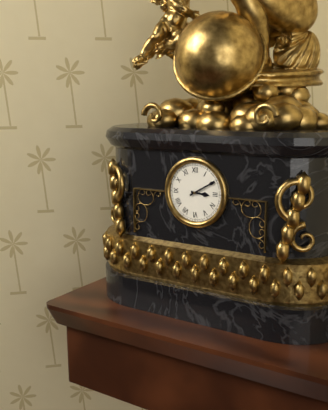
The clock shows 3:10
